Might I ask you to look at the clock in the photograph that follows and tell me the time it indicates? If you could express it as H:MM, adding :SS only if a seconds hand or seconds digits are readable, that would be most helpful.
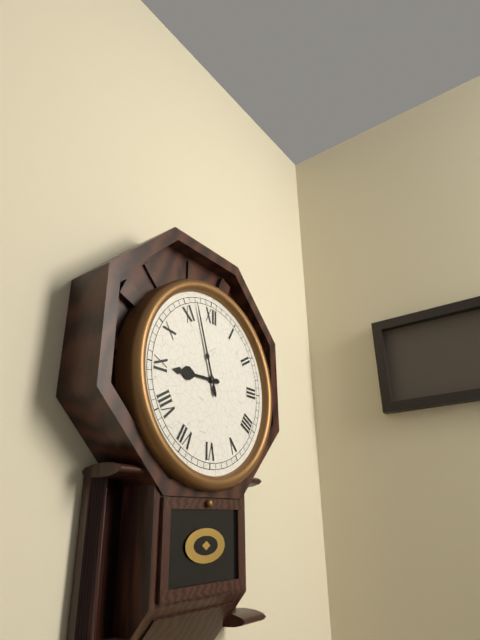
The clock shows 8:57
